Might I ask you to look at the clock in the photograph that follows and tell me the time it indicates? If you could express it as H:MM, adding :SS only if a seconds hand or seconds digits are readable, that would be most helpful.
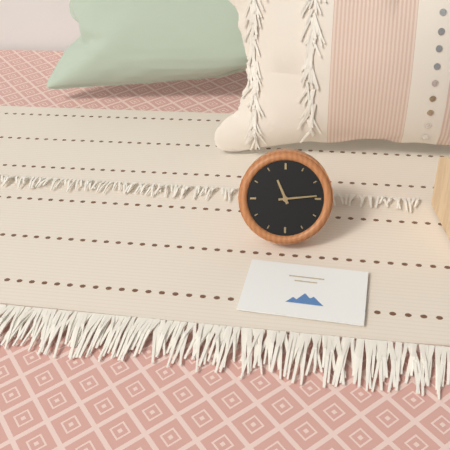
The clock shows 11:14
